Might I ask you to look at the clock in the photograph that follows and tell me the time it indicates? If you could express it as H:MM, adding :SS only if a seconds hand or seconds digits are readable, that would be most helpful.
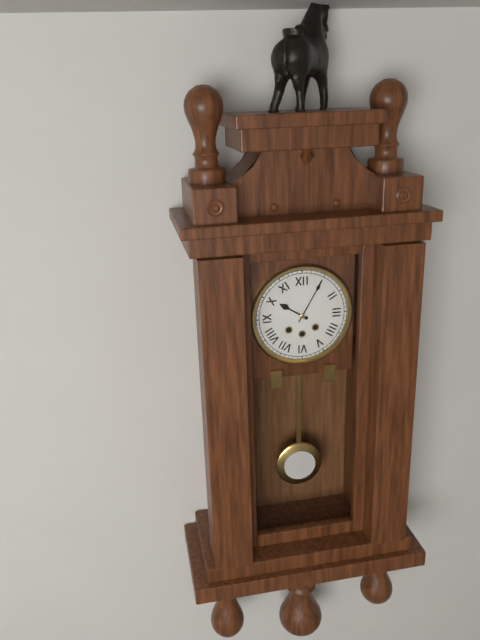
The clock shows 10:05
